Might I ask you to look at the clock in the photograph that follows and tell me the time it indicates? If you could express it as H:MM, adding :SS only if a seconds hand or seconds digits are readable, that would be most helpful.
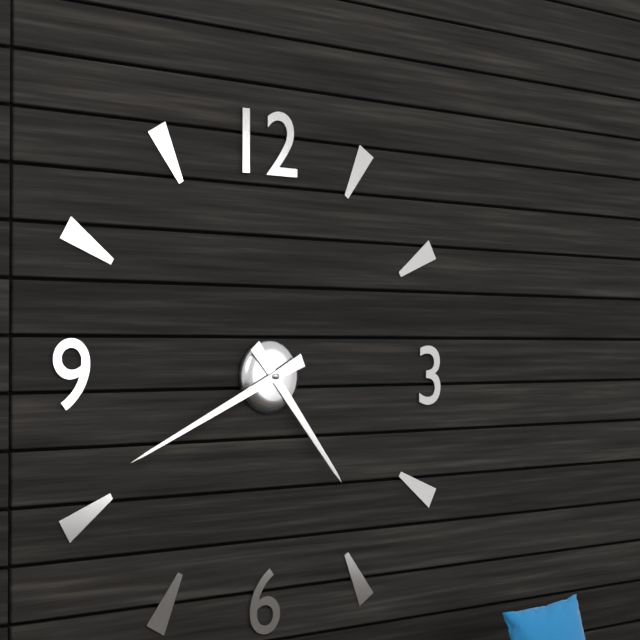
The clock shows 4:41
